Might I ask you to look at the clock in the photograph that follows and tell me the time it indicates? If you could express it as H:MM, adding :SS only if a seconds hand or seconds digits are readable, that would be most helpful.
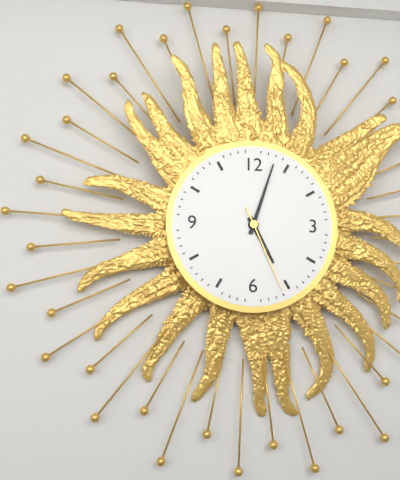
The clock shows 5:03:26
